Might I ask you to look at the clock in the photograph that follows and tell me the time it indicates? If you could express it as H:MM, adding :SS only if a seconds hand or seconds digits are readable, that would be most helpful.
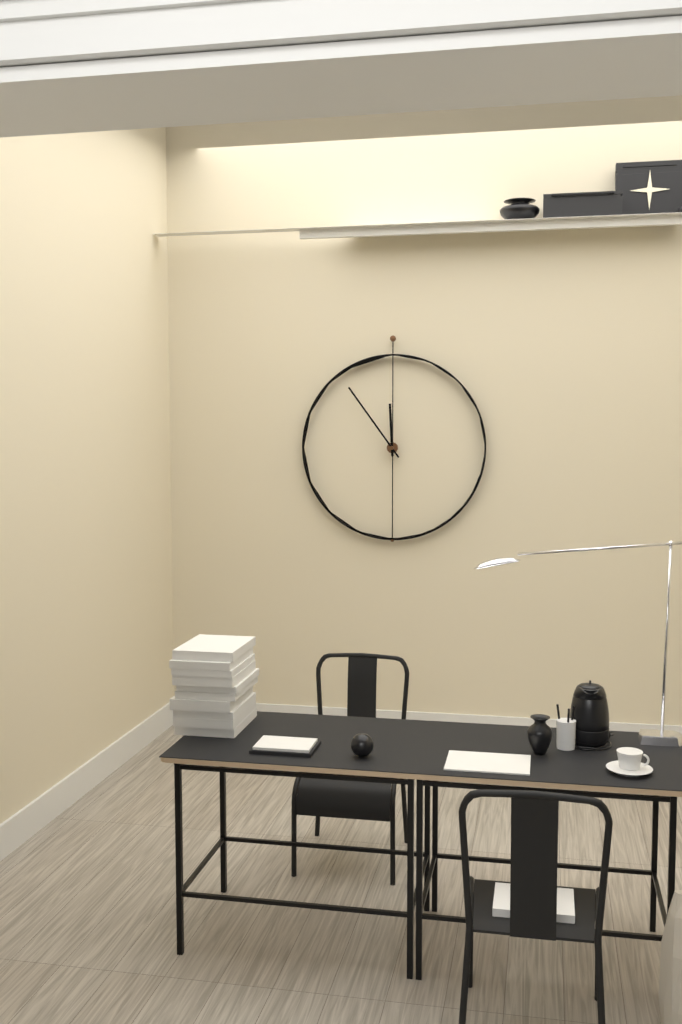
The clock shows 11:54
